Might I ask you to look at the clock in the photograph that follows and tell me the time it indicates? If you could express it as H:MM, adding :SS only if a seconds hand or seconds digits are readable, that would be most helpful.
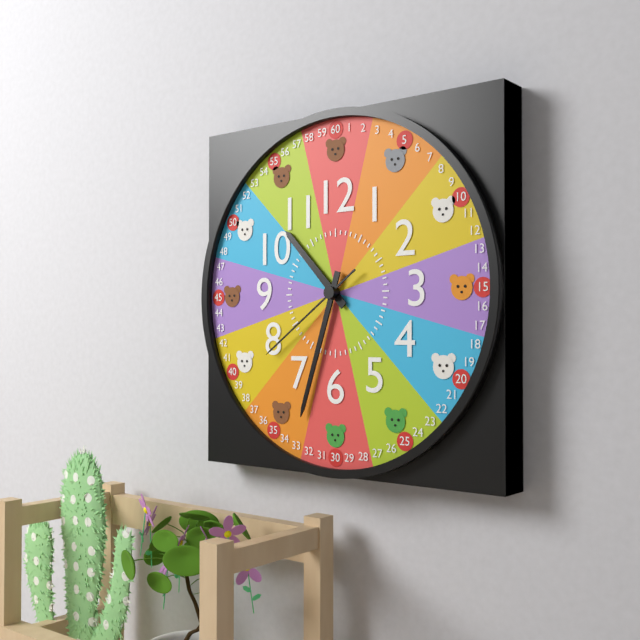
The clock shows 10:33:39
